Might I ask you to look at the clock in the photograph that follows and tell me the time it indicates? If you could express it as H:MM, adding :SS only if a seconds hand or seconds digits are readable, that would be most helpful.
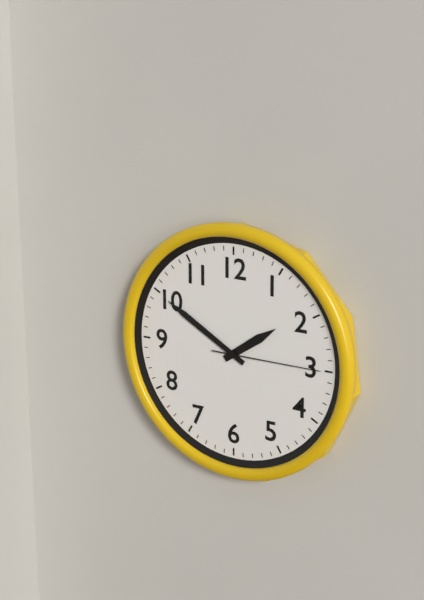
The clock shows 1:50:15
